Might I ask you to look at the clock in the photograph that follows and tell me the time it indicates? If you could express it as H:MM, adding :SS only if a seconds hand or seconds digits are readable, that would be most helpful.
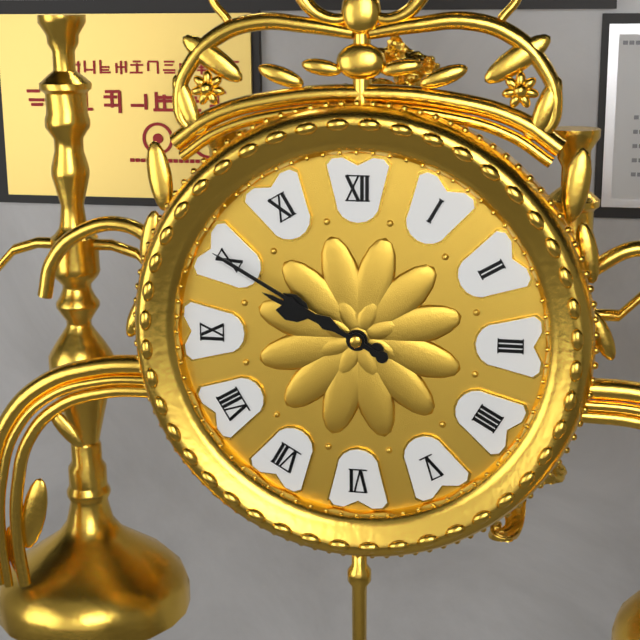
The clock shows 9:50
